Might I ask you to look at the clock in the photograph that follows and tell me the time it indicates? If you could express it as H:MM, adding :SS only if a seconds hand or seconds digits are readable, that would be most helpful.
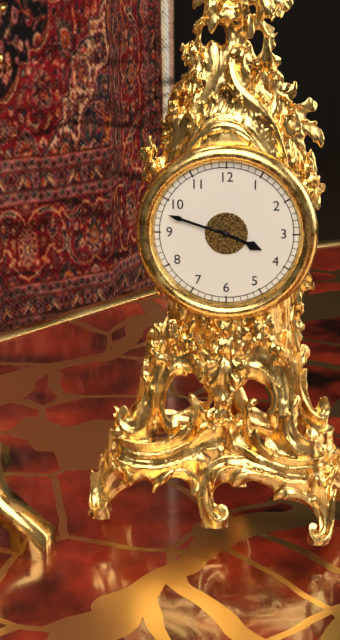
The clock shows 3:48
